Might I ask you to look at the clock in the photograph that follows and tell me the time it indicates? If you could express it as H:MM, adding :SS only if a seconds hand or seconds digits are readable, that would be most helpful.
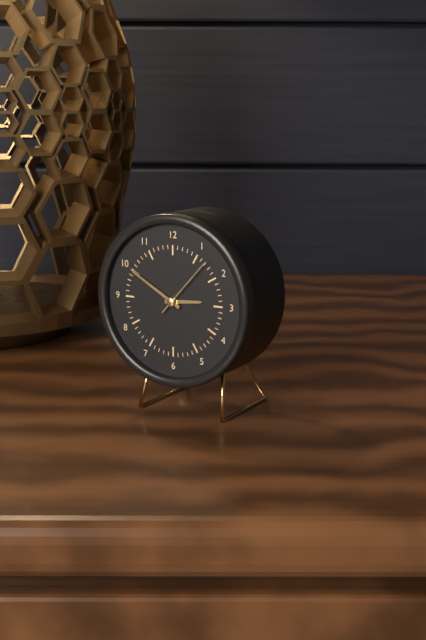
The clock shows 2:50
